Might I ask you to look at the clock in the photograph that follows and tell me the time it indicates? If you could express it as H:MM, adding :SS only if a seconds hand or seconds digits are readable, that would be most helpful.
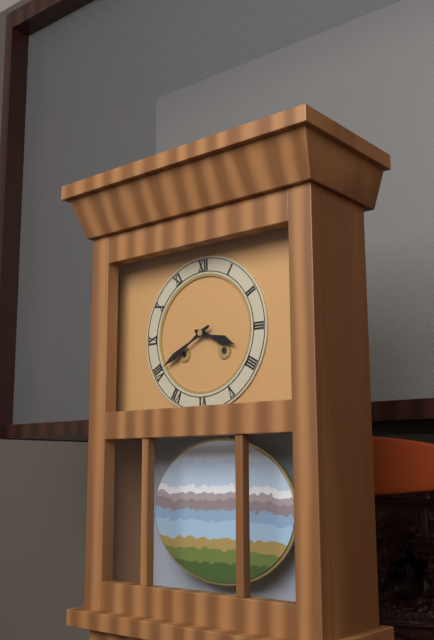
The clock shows 3:40
